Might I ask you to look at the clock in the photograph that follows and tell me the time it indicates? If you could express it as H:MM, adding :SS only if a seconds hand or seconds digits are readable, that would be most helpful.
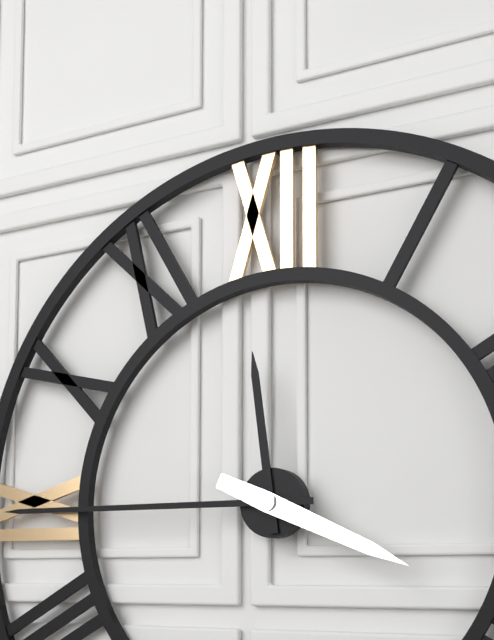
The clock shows 11:45:19
